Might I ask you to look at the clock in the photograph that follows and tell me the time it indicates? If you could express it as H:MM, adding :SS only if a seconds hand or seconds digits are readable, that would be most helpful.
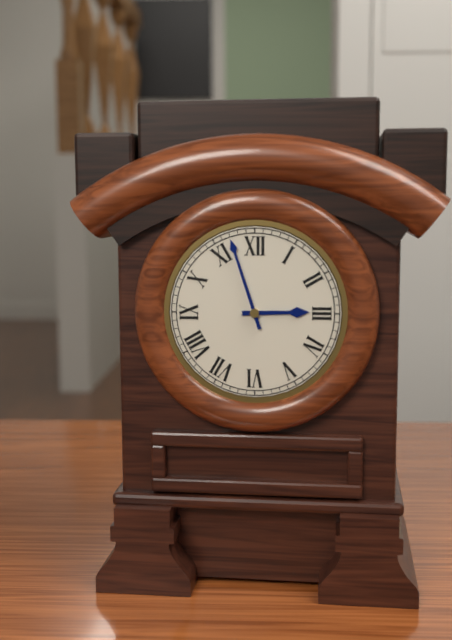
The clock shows 2:57
